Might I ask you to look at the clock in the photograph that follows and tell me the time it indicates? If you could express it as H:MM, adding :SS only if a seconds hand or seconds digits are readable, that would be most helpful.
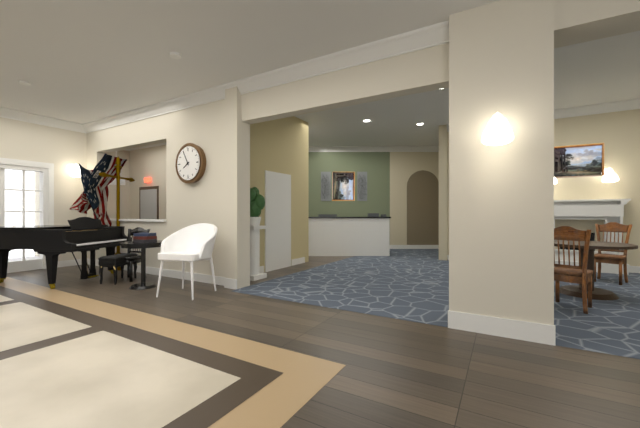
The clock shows 7:55
